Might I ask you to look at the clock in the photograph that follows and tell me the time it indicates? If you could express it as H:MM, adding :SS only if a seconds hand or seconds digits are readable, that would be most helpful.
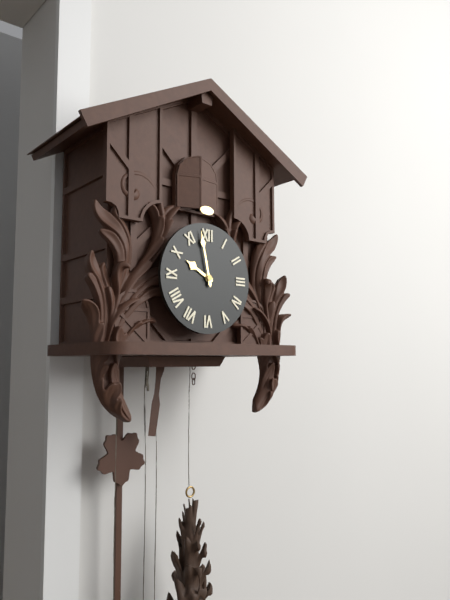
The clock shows 9:58
